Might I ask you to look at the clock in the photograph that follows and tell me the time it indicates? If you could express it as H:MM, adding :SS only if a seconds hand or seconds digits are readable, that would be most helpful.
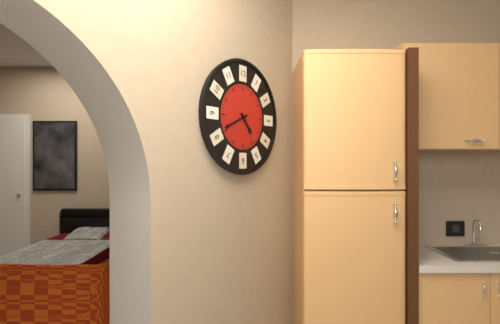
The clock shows 4:41
